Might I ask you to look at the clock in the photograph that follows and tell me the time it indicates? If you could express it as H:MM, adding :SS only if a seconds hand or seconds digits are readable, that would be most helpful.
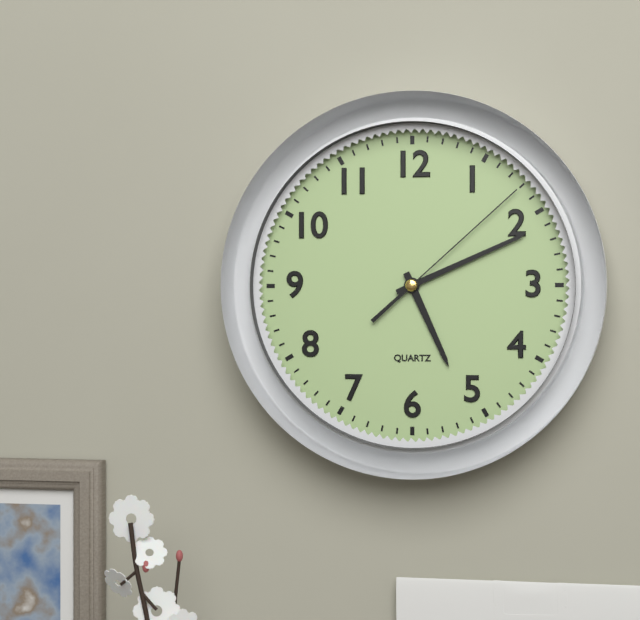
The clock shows 5:11:08
